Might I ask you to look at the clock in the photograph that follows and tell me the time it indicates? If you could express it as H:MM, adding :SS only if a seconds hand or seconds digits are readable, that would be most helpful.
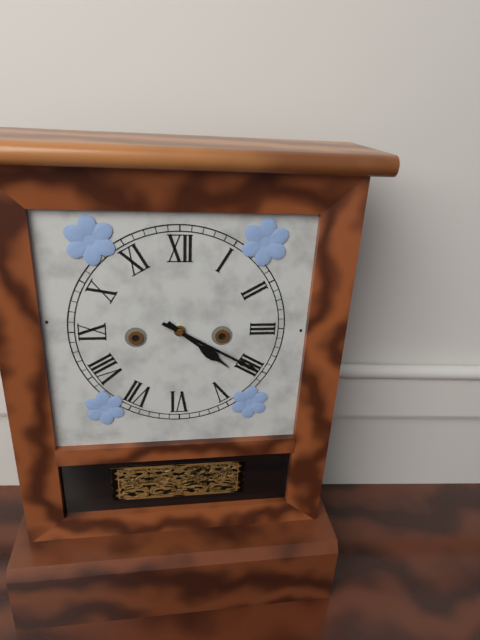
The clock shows 4:20
